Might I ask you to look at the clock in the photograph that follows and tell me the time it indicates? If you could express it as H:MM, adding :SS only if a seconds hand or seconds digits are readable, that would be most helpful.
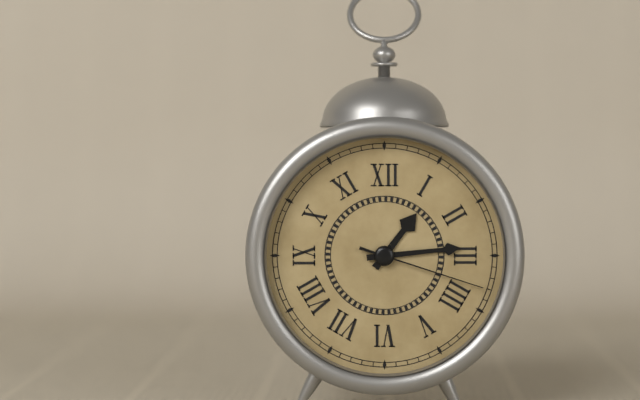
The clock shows 1:14:18
